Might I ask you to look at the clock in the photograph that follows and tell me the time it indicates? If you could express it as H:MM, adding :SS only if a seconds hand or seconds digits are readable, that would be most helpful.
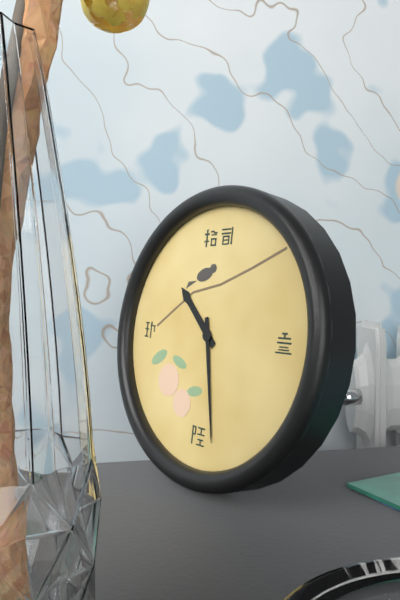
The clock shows 10:28
